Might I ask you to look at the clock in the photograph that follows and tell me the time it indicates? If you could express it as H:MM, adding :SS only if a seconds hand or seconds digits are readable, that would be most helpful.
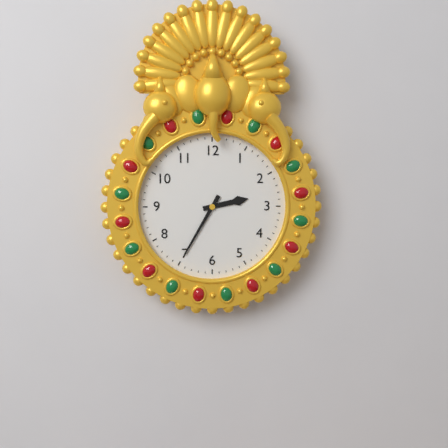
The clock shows 2:35
